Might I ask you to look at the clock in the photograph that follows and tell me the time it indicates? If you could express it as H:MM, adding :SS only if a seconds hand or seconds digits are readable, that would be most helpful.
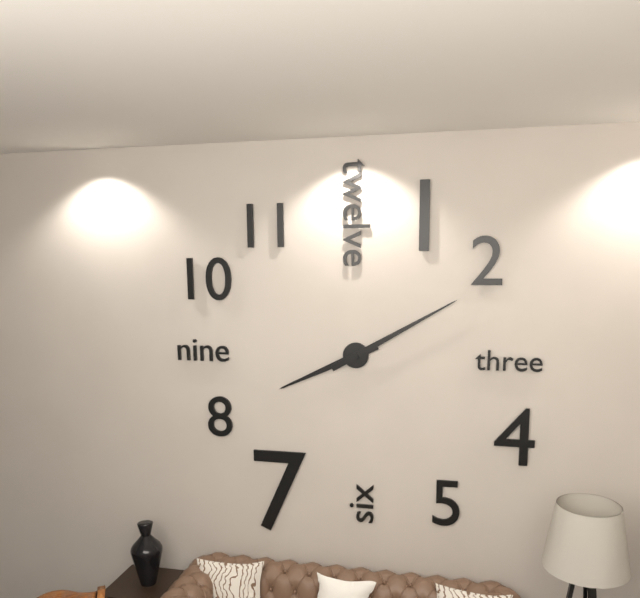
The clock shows 8:10
